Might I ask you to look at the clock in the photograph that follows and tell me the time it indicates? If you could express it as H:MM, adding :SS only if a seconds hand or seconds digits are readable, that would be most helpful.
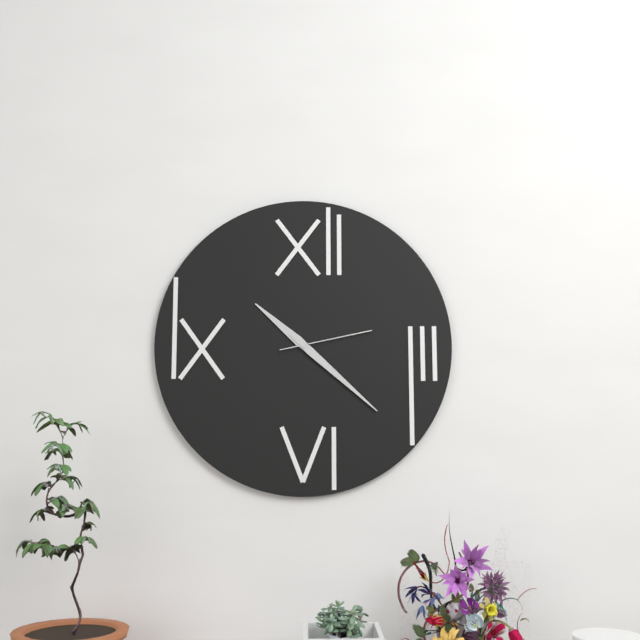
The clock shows 10:22:13
